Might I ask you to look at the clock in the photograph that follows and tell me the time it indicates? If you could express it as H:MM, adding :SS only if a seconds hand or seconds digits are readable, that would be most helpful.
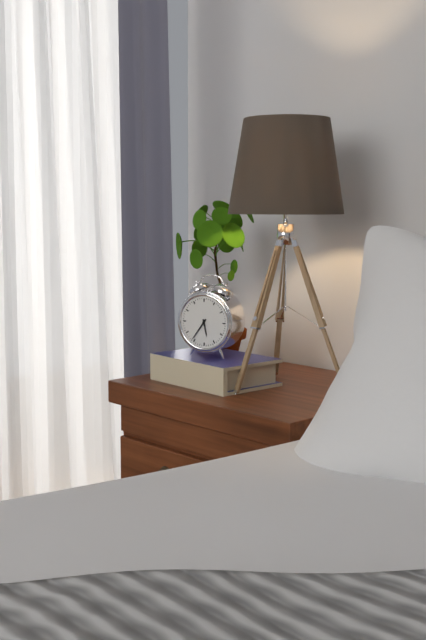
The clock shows 5:36
